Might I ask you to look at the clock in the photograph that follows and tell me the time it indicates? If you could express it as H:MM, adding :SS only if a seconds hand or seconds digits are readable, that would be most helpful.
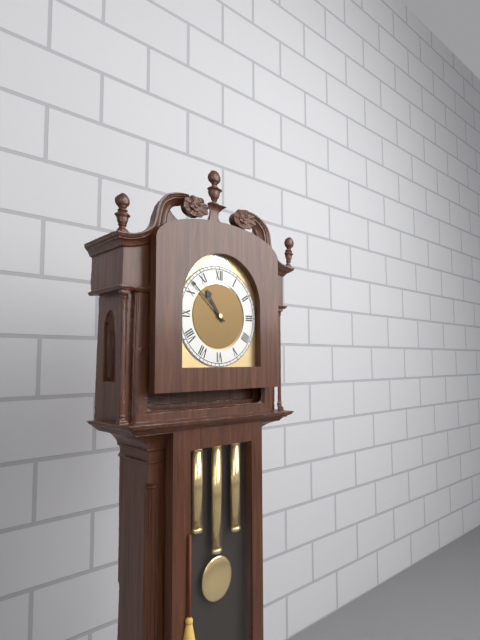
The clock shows 10:52
